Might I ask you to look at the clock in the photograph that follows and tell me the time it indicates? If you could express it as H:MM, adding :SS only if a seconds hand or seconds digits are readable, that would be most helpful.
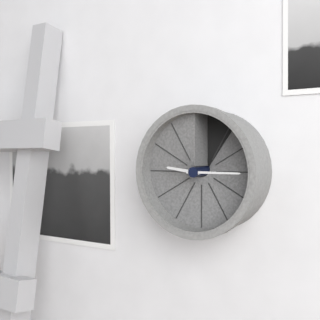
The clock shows 9:15
